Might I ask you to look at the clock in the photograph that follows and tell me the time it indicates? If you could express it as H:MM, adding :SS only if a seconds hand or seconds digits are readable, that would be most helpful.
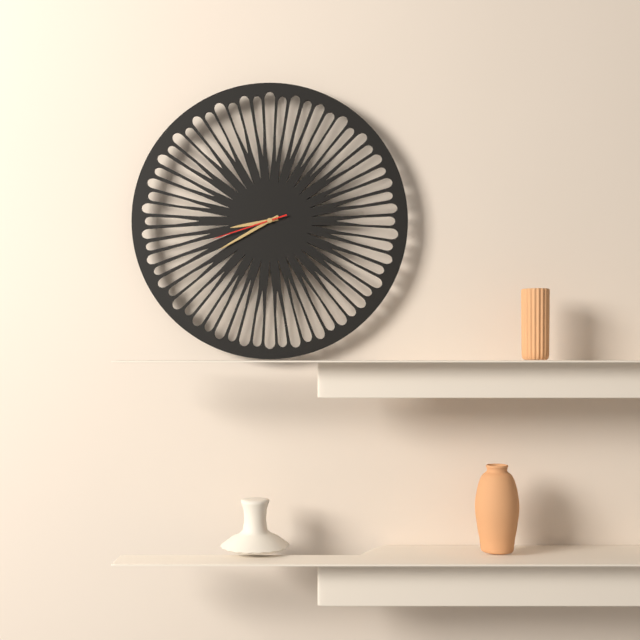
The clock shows 8:40:42
